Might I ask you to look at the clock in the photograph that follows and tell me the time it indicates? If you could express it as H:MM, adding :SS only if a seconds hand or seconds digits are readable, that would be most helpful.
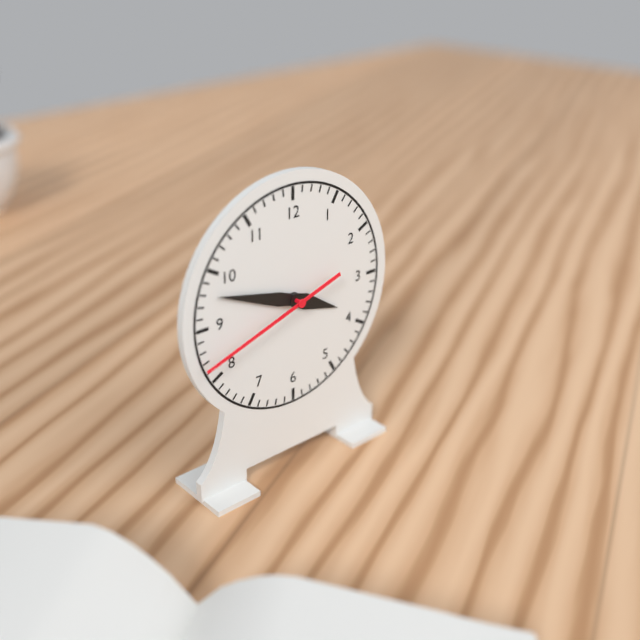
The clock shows 3:48:42
